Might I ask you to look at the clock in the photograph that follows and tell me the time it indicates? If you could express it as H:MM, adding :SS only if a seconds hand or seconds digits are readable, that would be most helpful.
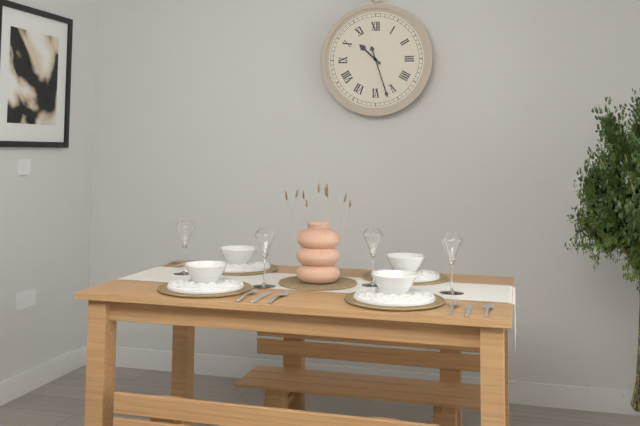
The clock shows 10:27
